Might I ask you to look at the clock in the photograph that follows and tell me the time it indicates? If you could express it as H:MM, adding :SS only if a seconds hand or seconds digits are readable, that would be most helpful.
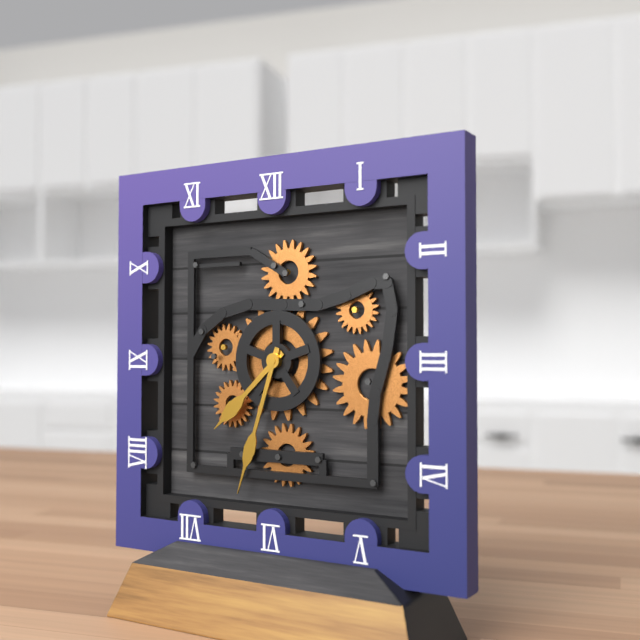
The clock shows 7:33
